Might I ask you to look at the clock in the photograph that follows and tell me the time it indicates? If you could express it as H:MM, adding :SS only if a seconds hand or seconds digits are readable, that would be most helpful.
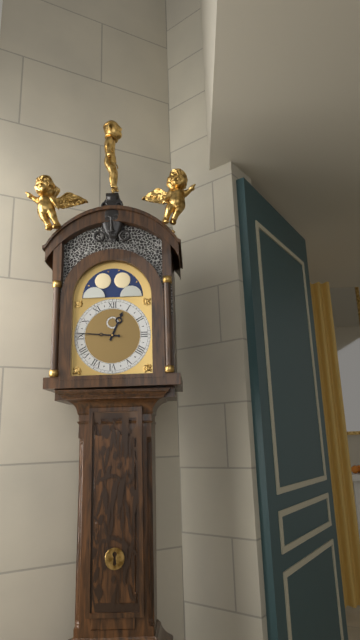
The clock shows 12:46
